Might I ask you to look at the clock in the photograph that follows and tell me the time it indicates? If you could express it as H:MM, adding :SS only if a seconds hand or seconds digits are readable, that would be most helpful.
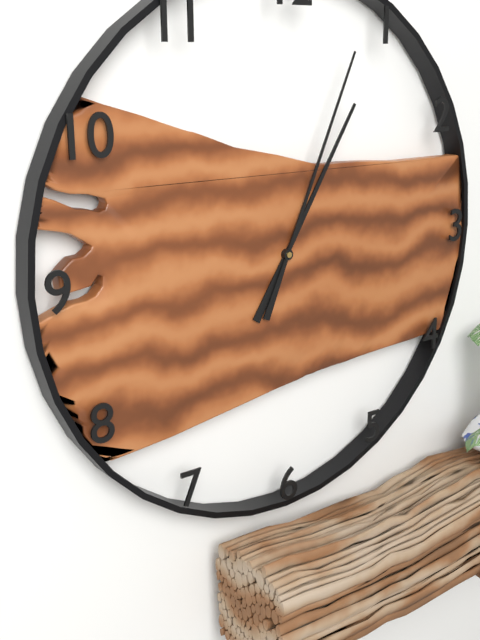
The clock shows 1:04
